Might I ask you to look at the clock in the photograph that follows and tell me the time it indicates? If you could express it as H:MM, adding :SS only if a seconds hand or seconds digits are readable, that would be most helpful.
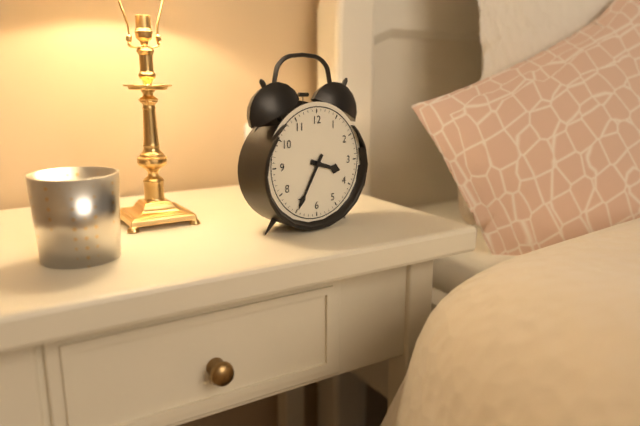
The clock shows 3:35
